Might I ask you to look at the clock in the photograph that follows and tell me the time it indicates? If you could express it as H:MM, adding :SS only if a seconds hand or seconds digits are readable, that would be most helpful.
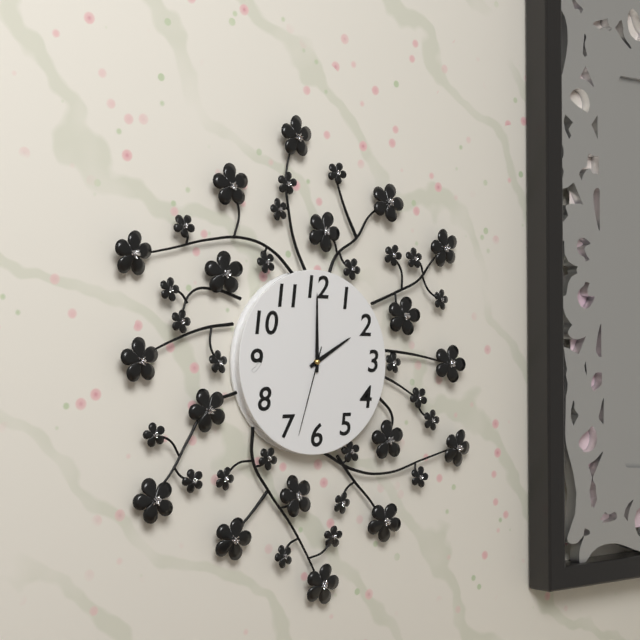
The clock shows 2:00:33
